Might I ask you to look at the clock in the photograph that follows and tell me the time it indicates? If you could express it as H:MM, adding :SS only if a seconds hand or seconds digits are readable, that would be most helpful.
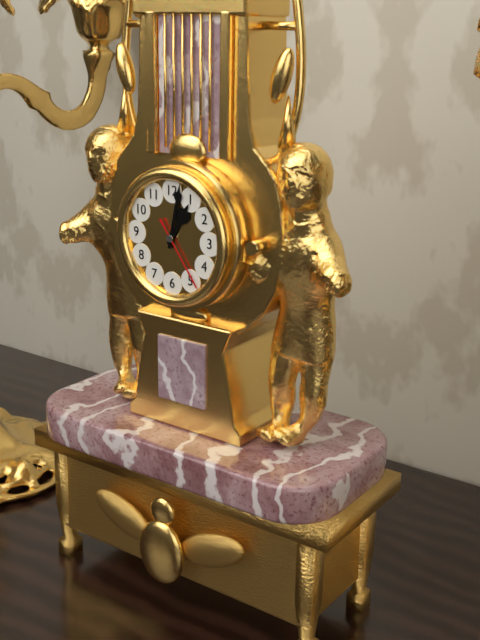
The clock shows 1:02:24
